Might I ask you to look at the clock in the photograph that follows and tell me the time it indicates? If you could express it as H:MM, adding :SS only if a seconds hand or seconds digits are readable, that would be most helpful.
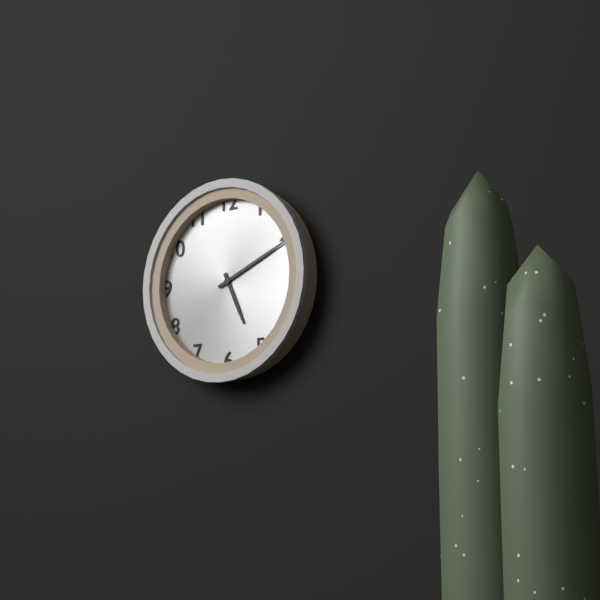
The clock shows 5:11
